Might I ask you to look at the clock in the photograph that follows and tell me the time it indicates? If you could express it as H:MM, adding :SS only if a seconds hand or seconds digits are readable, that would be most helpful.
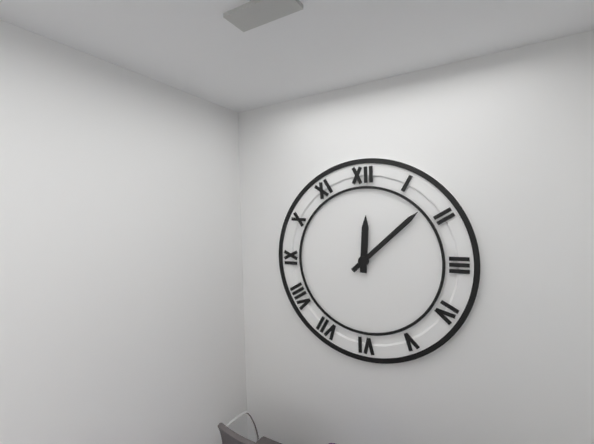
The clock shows 12:08
